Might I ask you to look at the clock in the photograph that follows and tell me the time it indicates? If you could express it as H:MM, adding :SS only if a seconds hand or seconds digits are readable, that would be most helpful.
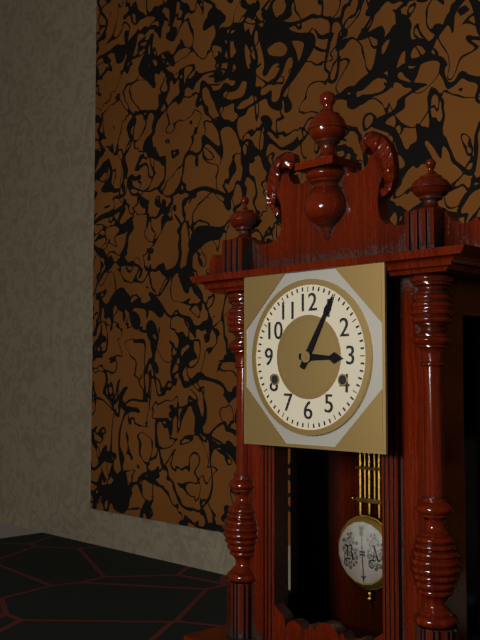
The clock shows 3:05
